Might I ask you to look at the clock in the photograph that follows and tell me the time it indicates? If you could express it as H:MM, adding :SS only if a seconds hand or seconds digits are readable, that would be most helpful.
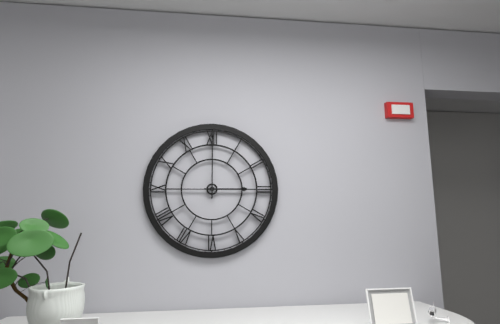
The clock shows 3:00
